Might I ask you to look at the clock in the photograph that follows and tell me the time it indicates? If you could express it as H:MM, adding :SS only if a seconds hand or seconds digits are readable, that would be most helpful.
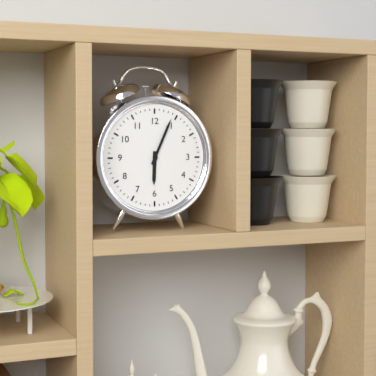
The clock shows 6:04
